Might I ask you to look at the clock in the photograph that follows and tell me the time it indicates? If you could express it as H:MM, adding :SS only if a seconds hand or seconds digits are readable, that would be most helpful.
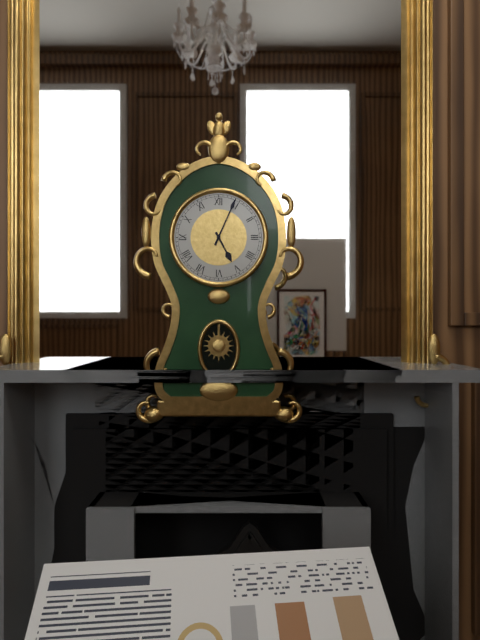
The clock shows 5:04
